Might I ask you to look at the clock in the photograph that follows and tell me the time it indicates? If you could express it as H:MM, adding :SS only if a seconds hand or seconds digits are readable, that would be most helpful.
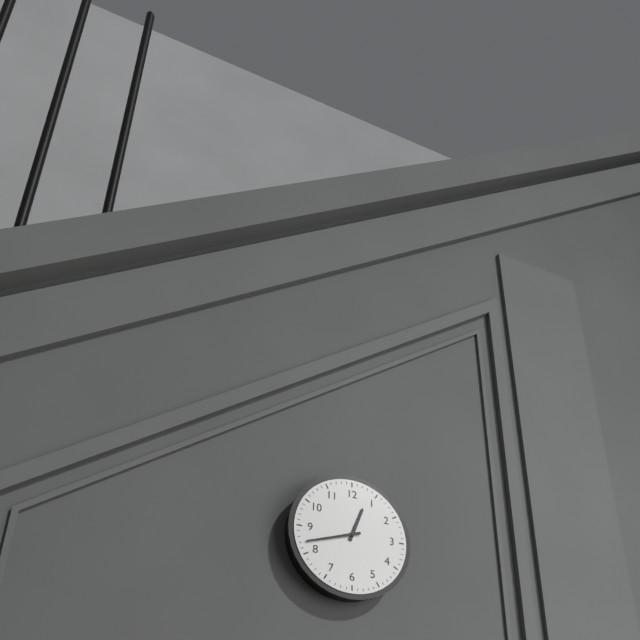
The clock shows 12:42
